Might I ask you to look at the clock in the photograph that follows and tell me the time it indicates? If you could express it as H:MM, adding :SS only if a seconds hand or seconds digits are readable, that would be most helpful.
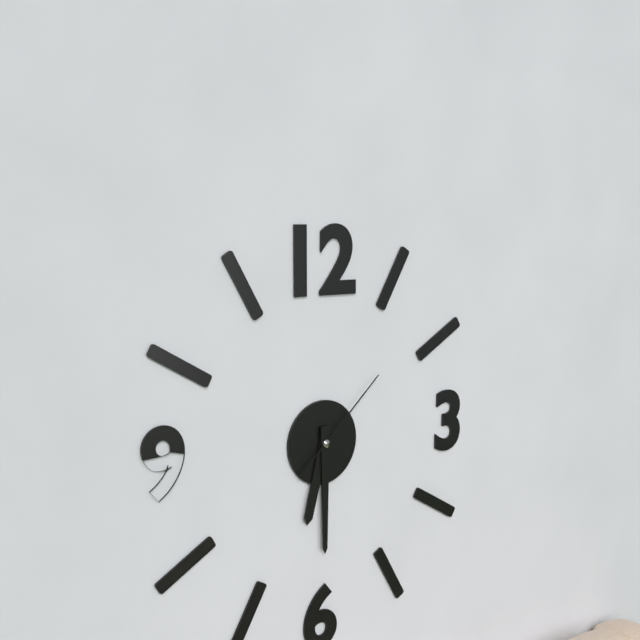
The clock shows 6:30:08
